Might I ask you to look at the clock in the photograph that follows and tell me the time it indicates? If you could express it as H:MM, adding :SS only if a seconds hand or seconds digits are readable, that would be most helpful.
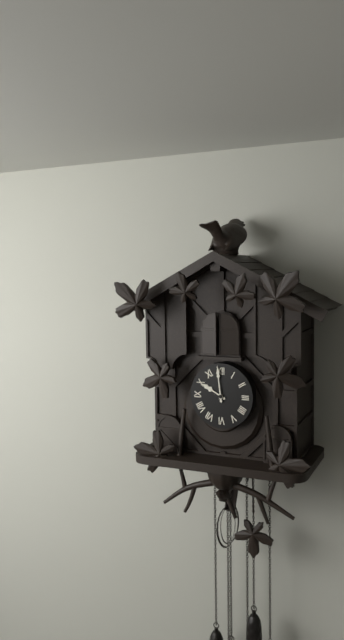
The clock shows 9:59
